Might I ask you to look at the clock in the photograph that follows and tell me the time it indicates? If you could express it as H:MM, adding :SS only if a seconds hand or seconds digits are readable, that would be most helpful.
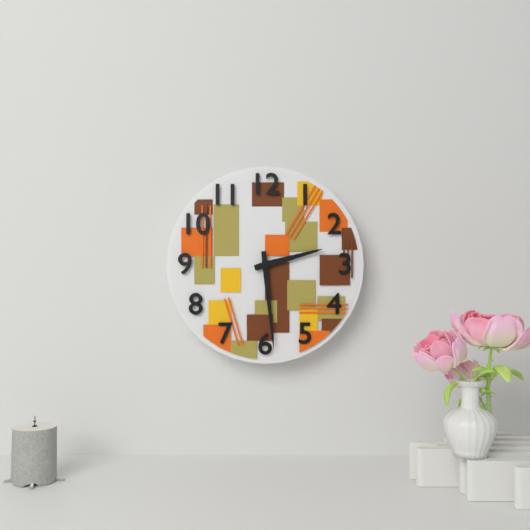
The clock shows 2:29
